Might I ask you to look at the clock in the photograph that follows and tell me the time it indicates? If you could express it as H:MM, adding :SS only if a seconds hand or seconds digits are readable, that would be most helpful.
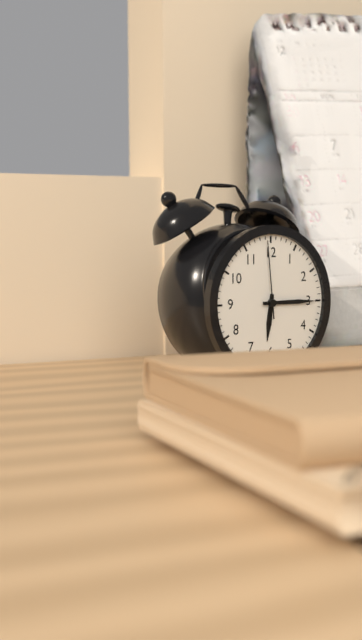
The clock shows 6:15:59
